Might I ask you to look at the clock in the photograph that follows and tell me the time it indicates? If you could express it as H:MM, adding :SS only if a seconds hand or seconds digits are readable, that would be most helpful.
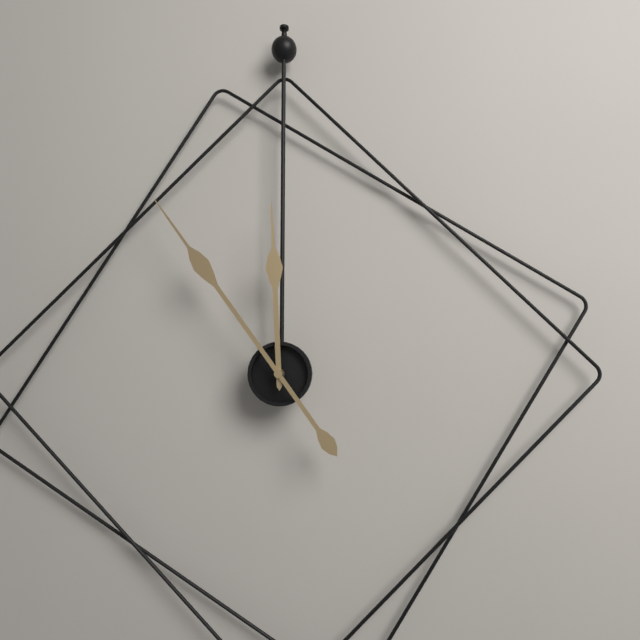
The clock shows 11:54
